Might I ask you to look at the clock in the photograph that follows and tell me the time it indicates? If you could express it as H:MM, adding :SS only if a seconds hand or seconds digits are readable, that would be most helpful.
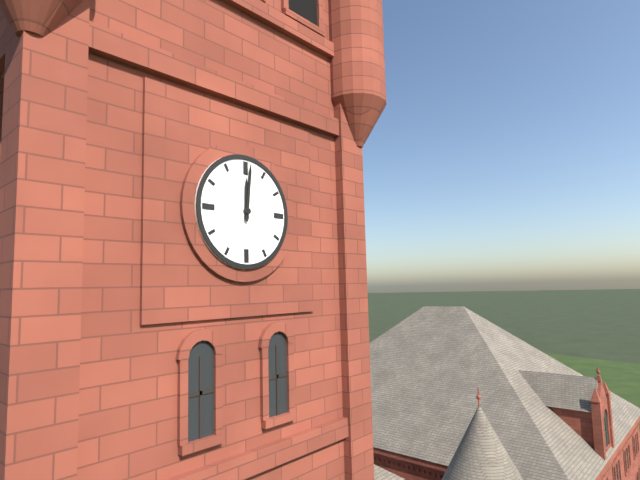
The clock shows 12:01
